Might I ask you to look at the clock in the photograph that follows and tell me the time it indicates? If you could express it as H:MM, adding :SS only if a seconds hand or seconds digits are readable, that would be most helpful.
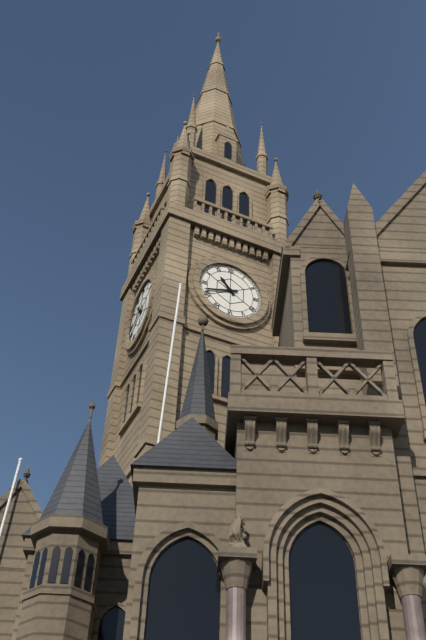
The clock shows 10:42
